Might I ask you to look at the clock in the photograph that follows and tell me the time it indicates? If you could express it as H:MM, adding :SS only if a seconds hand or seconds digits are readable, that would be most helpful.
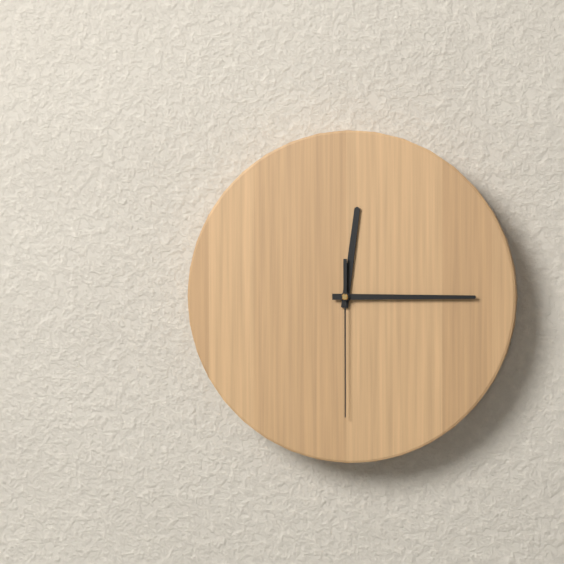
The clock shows 12:15:30
